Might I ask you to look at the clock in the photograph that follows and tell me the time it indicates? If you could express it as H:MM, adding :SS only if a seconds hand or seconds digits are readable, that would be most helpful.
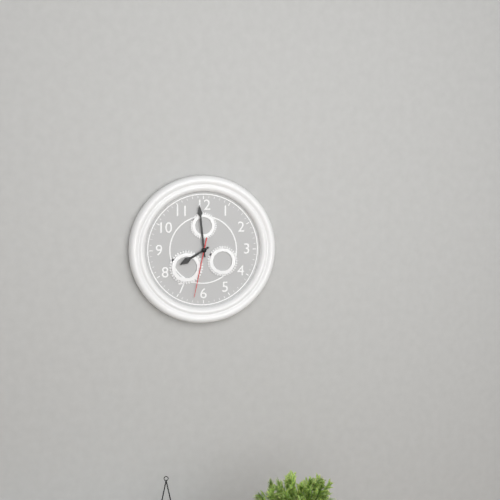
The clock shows 7:59:32
